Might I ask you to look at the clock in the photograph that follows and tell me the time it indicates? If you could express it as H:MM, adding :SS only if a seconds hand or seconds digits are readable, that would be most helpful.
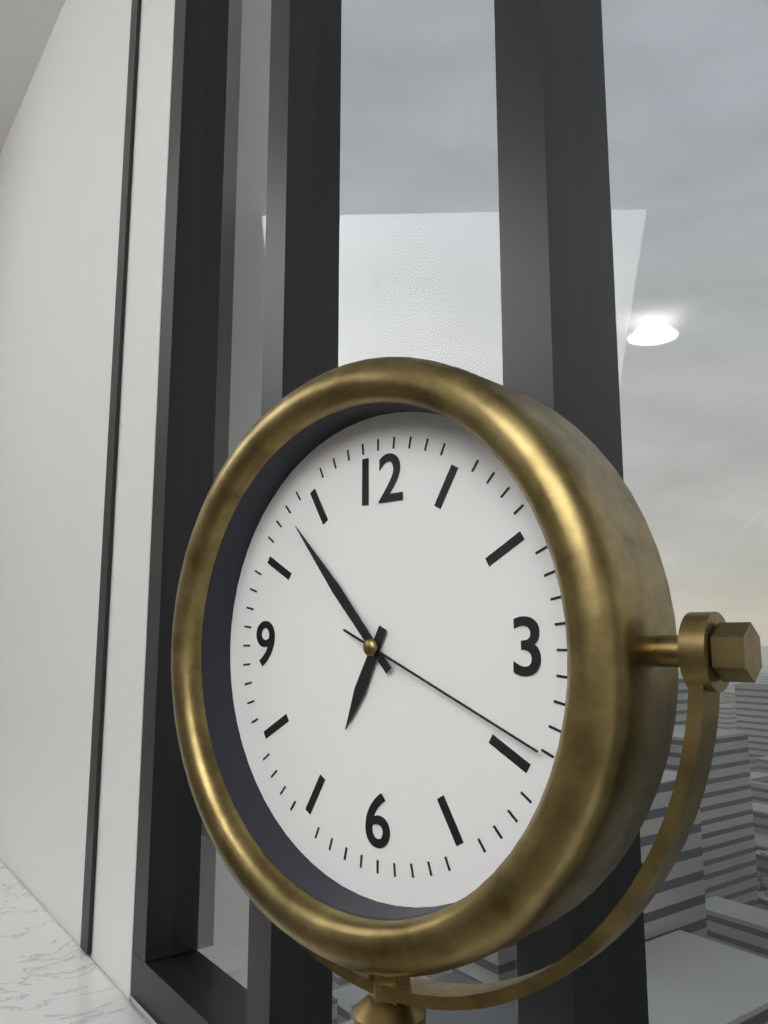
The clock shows 6:53:19
